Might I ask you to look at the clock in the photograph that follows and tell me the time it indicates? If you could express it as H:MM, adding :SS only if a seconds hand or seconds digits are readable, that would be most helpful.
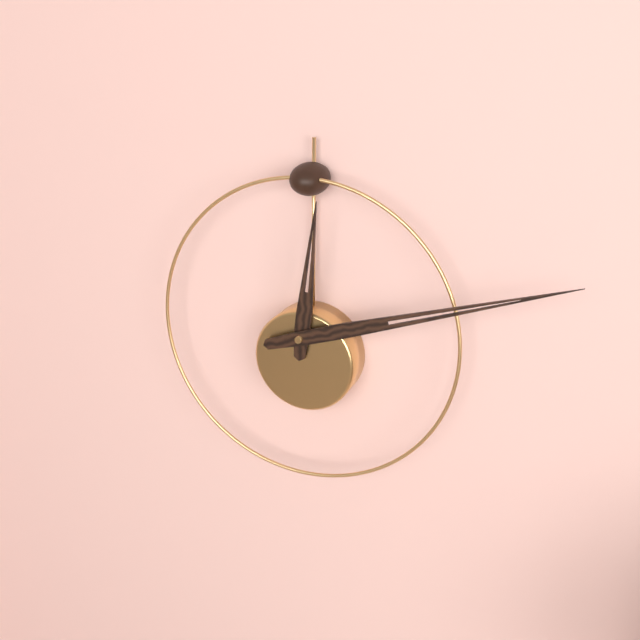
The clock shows 12:12
